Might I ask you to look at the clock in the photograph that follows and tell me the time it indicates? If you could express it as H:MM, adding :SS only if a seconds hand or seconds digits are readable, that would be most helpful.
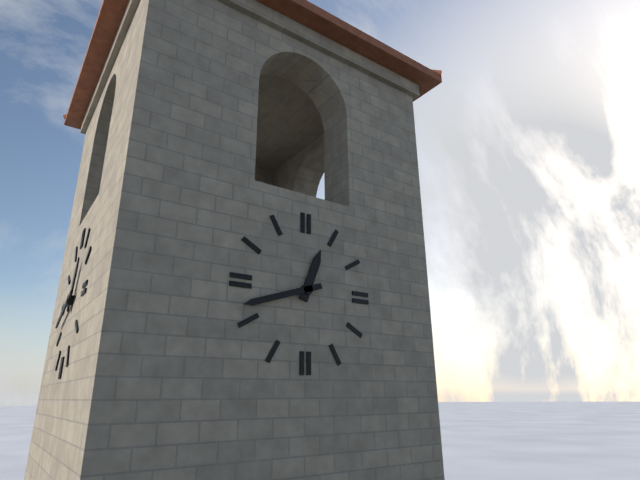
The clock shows 12:42
